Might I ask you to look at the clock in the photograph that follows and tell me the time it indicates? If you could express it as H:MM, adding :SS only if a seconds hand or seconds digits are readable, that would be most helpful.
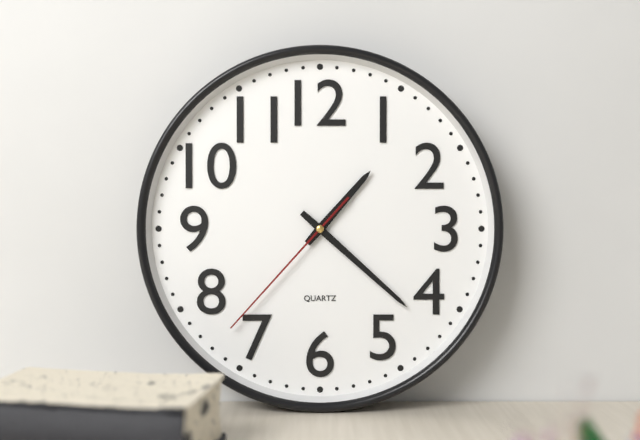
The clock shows 1:22:37
